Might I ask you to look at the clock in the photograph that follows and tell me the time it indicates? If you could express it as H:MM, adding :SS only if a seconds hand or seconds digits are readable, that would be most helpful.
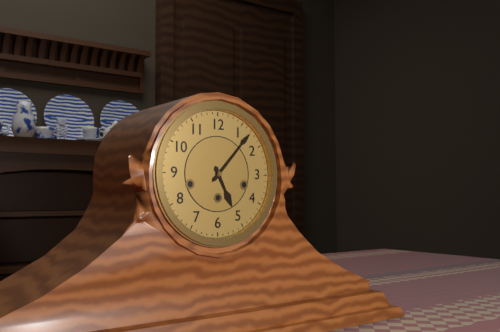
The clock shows 5:07
